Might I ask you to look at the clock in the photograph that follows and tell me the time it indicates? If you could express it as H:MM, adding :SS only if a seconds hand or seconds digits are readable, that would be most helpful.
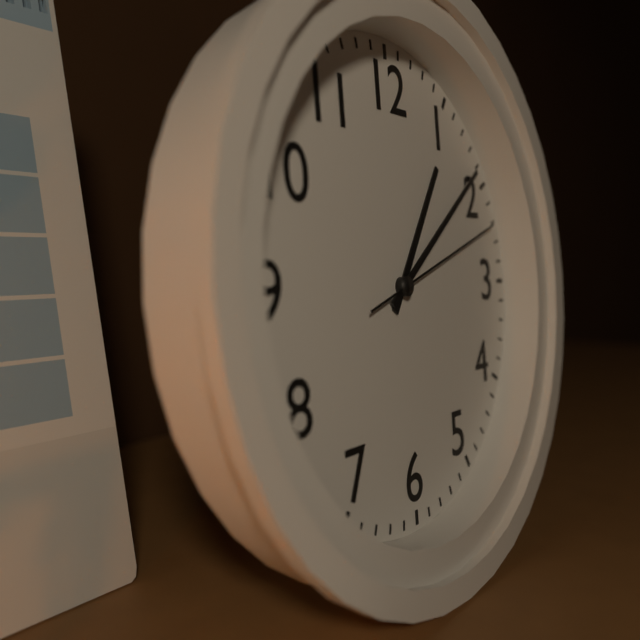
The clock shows 1:09:12
